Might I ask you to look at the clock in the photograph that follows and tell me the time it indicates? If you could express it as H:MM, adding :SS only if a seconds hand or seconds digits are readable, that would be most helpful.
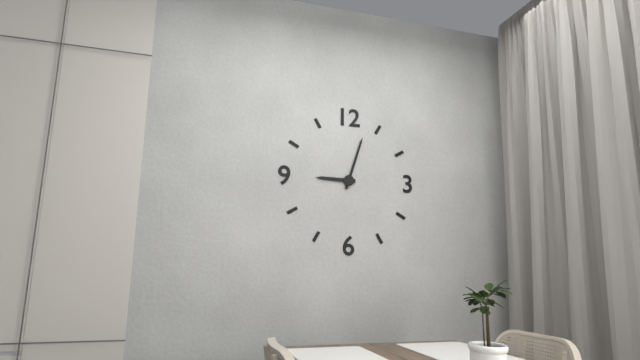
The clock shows 9:03
